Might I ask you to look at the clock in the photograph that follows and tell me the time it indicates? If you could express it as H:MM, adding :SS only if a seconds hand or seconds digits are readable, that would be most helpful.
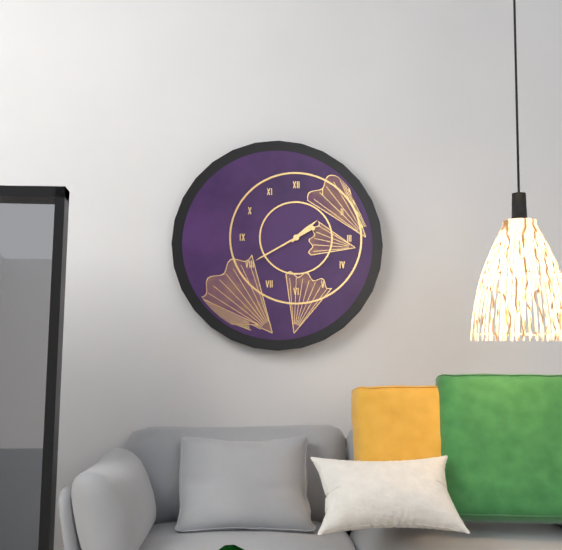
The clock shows 1:40
